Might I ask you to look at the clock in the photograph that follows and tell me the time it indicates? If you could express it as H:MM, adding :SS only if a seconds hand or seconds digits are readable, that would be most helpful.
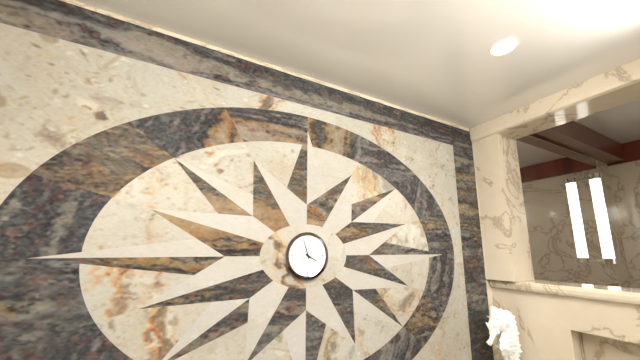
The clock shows 3:57
